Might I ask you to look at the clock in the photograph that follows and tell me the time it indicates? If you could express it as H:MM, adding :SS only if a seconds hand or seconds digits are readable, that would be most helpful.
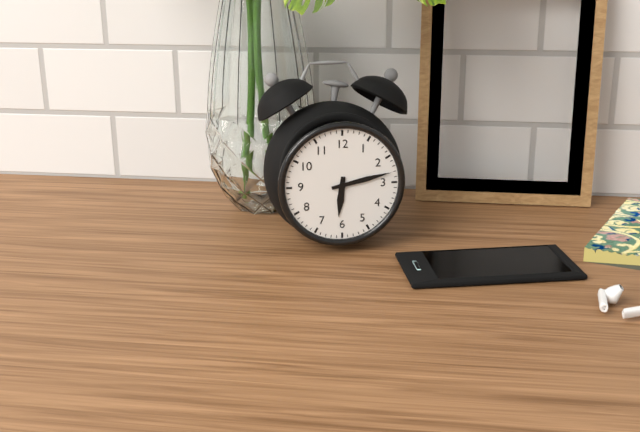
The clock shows 6:13
